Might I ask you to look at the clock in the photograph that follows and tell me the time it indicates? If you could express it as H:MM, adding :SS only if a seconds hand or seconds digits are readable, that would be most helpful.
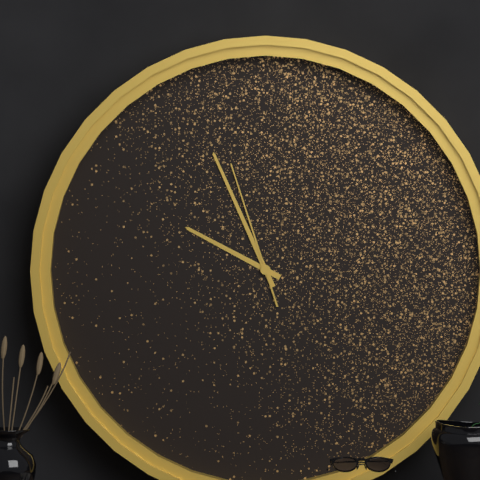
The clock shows 9:56:57
